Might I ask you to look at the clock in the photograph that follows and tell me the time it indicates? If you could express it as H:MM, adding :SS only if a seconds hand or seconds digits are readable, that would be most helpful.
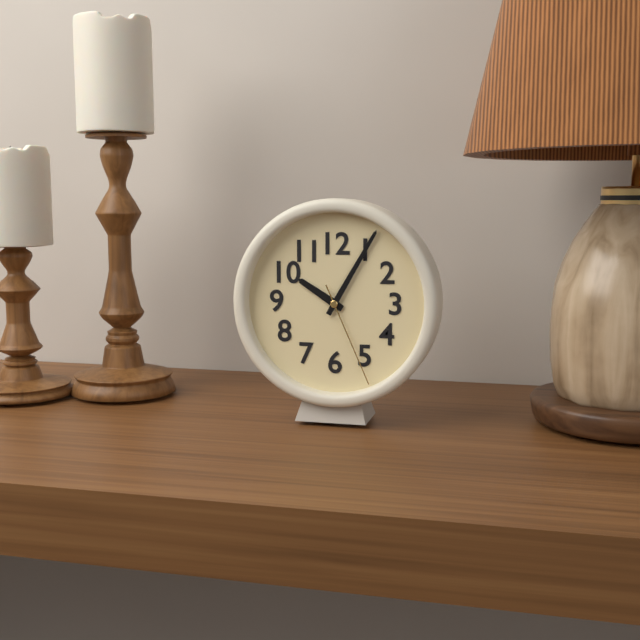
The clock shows 10:05:26
